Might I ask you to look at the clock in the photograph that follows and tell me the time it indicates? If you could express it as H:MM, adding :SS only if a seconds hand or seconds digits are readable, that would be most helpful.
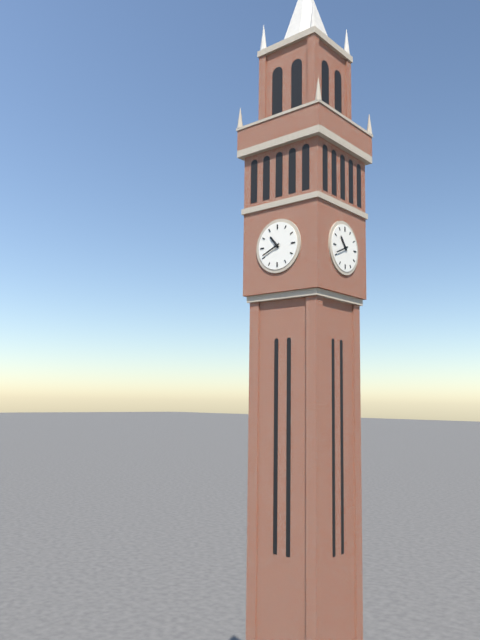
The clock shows 10:41
